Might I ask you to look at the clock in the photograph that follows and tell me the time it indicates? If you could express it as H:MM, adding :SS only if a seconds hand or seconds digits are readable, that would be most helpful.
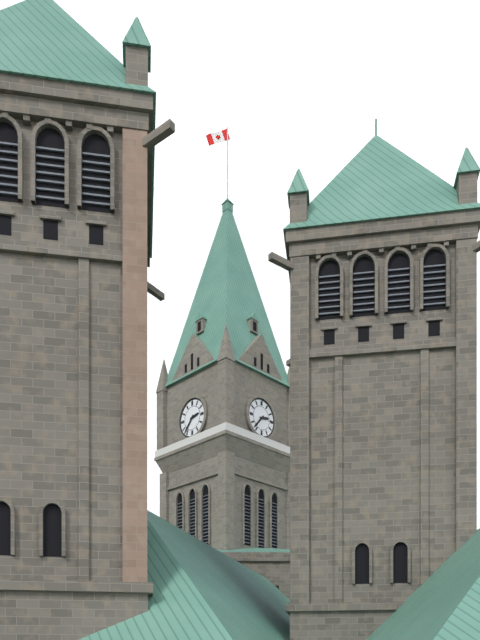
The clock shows 2:37
